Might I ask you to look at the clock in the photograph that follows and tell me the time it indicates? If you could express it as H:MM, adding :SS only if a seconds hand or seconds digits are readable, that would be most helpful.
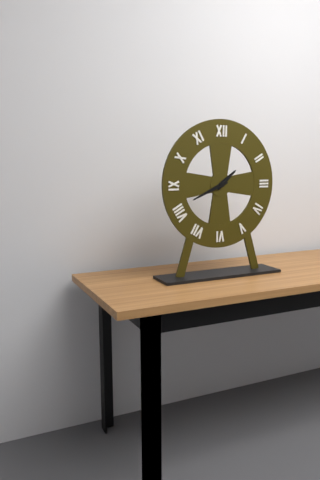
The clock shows 1:41
